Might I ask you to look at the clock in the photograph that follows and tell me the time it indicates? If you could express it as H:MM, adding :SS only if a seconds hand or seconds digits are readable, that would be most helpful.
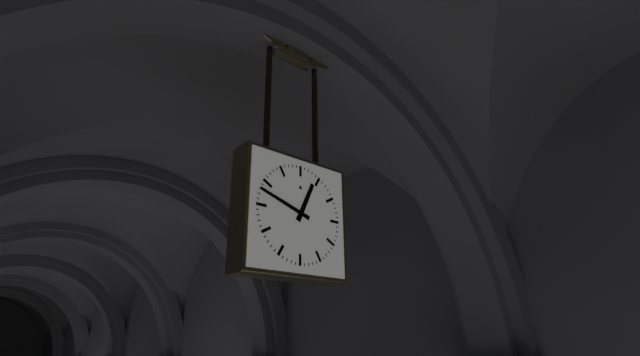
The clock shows 12:48
